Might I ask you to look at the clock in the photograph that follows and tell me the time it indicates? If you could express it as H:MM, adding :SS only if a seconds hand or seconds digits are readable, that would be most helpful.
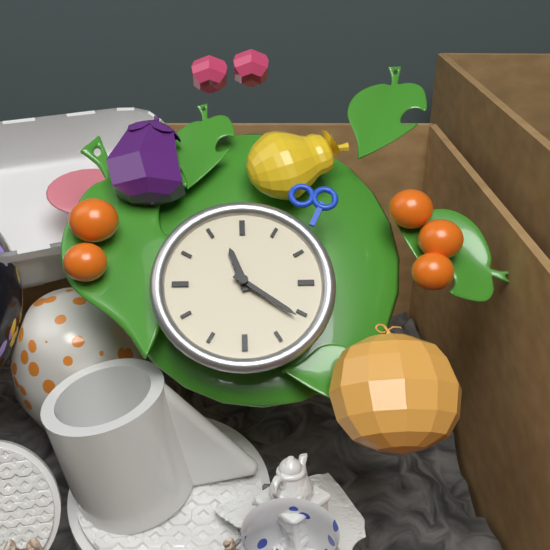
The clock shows 11:21
